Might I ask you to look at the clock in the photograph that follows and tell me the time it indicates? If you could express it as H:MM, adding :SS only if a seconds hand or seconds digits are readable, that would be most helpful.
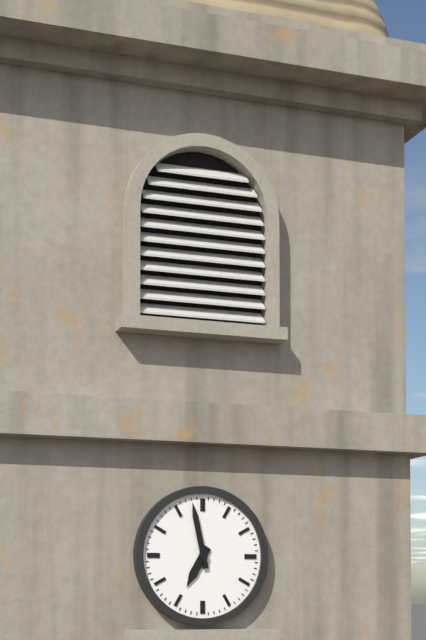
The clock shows 6:58
